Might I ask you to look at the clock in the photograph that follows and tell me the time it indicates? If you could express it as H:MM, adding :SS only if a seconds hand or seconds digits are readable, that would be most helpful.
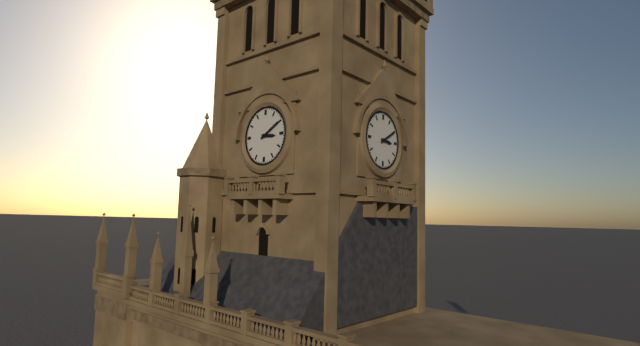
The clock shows 3:10
